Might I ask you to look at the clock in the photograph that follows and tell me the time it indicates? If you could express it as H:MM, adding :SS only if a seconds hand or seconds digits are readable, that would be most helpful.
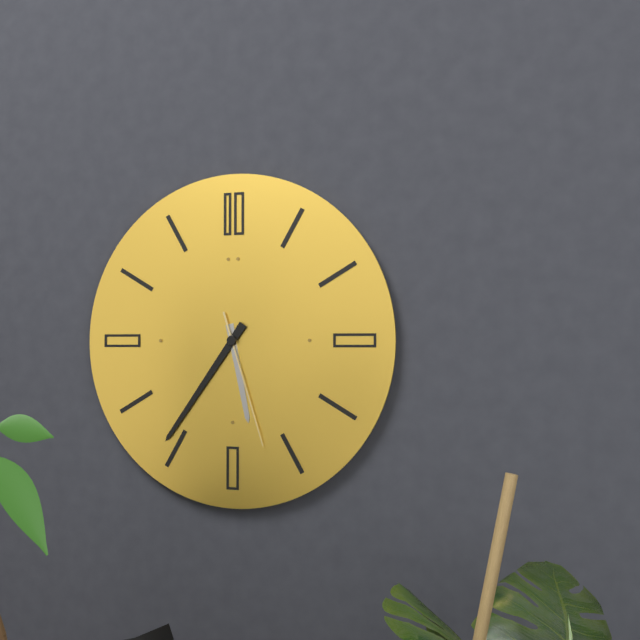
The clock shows 5:36:27
